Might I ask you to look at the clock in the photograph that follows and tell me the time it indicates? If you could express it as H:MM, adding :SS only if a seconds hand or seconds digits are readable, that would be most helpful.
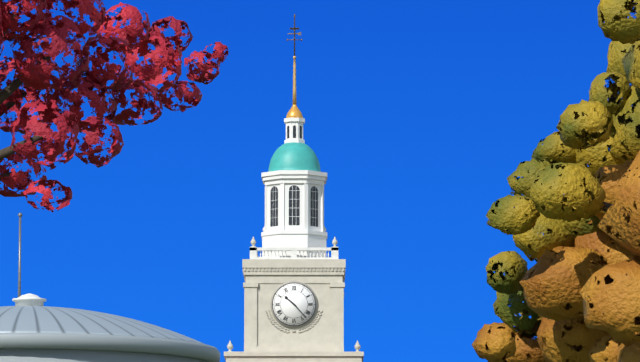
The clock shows 10:23
